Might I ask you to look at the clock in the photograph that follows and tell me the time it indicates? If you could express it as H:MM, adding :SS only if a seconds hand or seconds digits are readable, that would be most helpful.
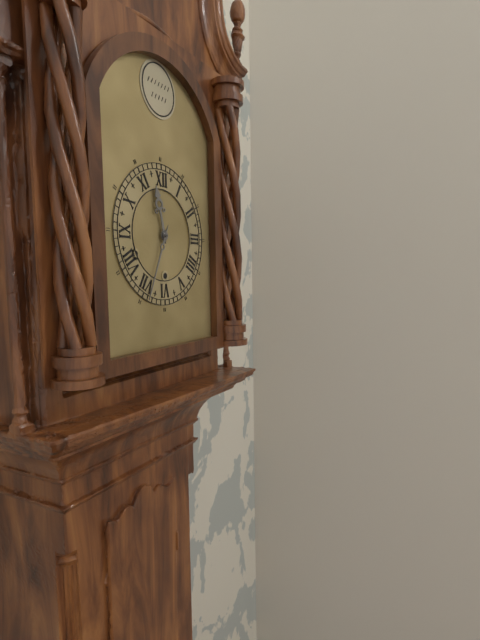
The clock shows 11:34
